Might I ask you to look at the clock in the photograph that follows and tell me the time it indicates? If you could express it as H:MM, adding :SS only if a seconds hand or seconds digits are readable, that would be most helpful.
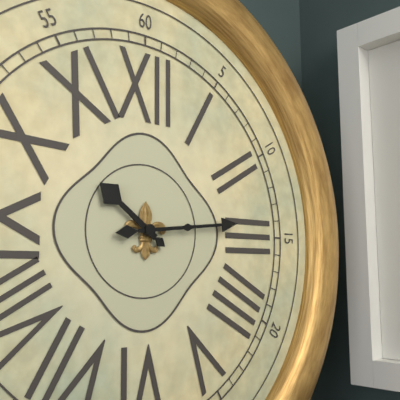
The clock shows 10:14
